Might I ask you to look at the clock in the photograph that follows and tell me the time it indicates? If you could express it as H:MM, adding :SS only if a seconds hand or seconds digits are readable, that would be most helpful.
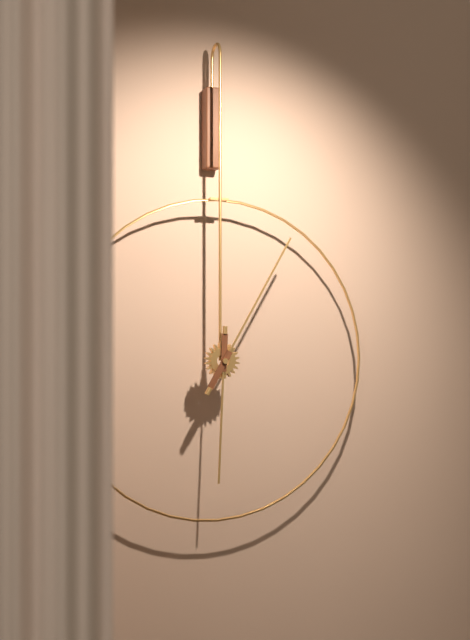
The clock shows 6:05
